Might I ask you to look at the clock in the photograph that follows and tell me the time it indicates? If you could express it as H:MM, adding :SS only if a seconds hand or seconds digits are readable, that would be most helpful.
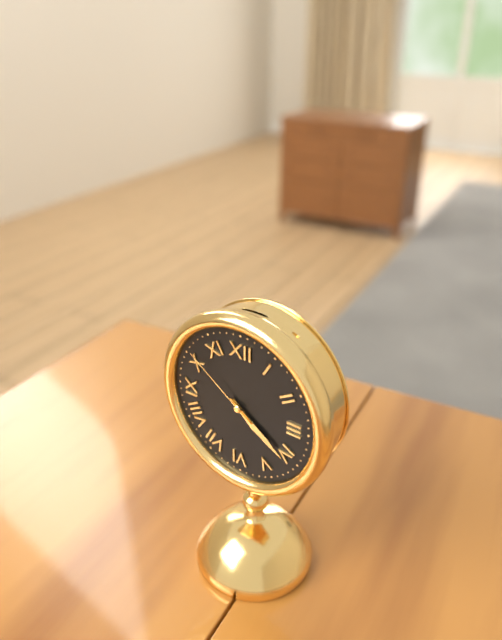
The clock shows 4:21:51
